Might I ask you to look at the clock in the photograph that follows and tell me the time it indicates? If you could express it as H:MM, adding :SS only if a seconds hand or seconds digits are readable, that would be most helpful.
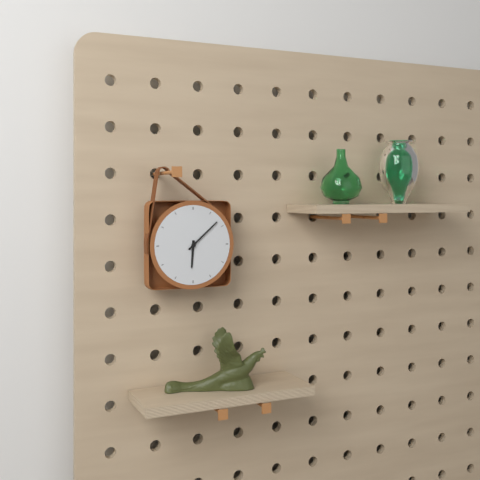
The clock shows 6:08
